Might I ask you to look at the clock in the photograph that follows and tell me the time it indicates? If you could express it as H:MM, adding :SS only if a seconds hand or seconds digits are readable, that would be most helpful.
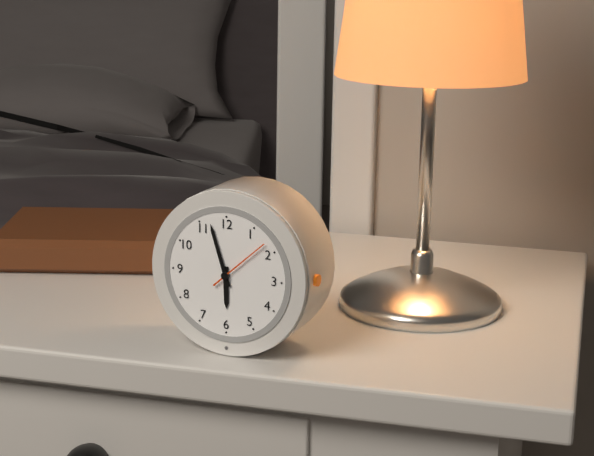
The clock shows 5:57:08
